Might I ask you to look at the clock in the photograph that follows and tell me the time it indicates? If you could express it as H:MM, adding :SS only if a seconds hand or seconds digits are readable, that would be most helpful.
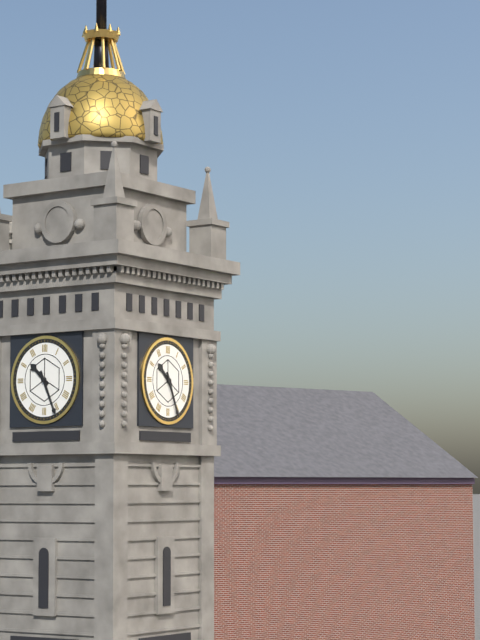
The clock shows 10:26
